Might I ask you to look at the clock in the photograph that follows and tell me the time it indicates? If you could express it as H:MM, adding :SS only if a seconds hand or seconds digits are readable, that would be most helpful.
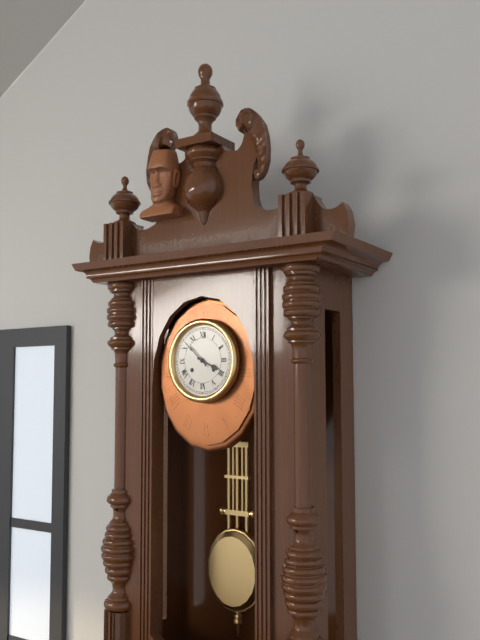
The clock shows 3:52
